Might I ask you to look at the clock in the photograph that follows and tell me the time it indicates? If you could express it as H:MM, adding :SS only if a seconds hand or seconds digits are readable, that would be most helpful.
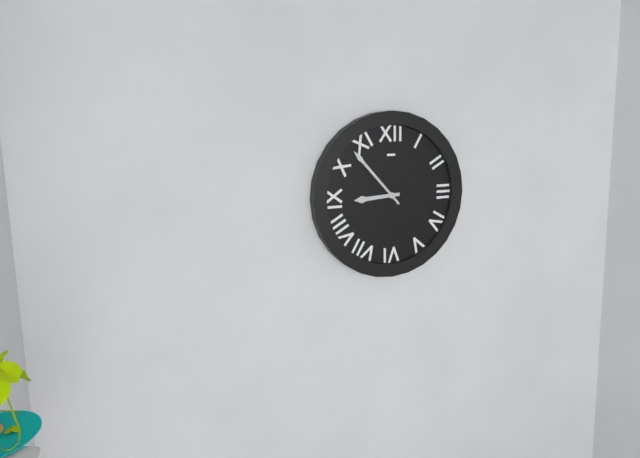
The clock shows 8:53
